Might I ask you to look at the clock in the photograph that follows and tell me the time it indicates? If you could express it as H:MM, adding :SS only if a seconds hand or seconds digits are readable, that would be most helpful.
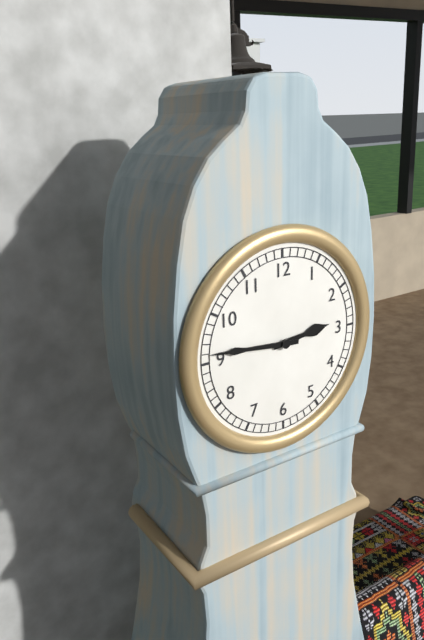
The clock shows 2:46
